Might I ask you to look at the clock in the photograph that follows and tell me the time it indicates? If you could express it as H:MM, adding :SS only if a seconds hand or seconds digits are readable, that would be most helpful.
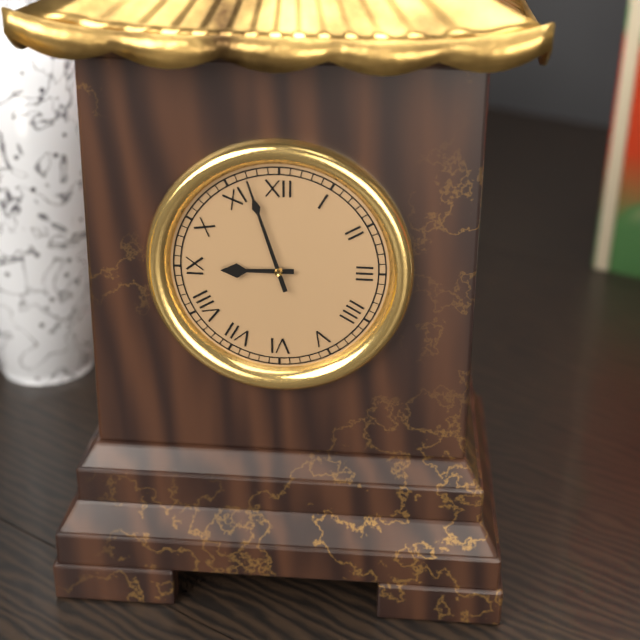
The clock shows 8:57
